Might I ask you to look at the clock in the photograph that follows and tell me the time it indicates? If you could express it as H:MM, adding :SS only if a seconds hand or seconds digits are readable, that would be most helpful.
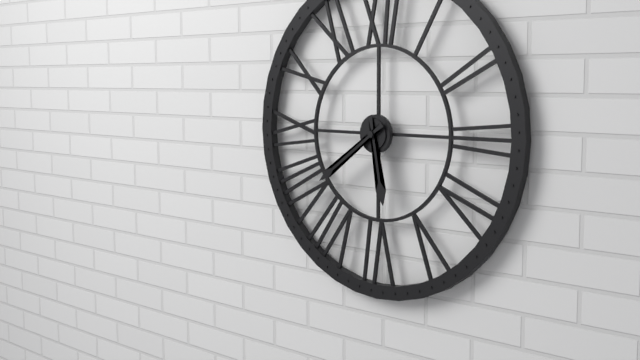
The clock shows 5:39
